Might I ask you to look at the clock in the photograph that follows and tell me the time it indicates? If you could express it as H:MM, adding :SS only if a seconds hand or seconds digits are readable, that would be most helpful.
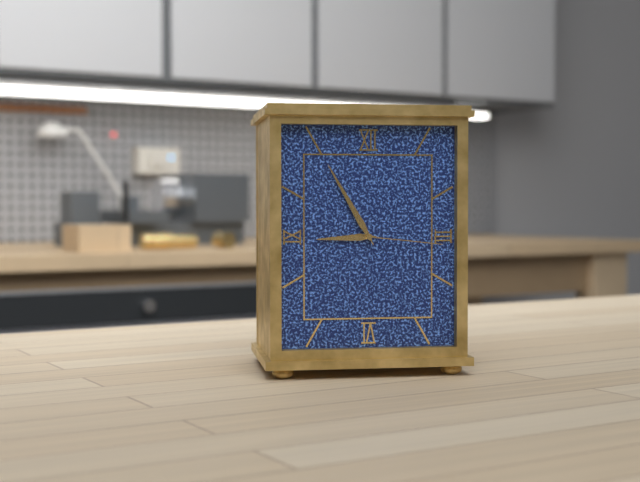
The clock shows 8:55:16
